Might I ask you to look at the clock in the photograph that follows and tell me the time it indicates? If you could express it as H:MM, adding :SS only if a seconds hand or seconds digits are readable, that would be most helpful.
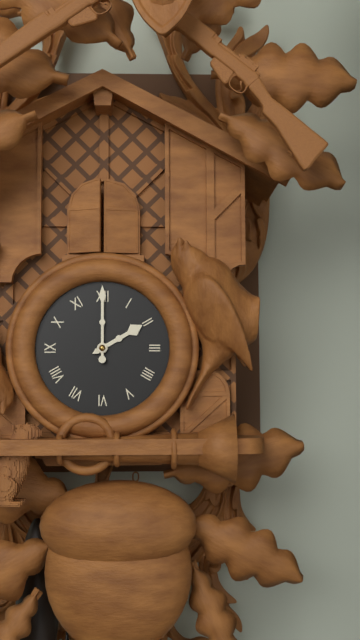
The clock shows 2:00
